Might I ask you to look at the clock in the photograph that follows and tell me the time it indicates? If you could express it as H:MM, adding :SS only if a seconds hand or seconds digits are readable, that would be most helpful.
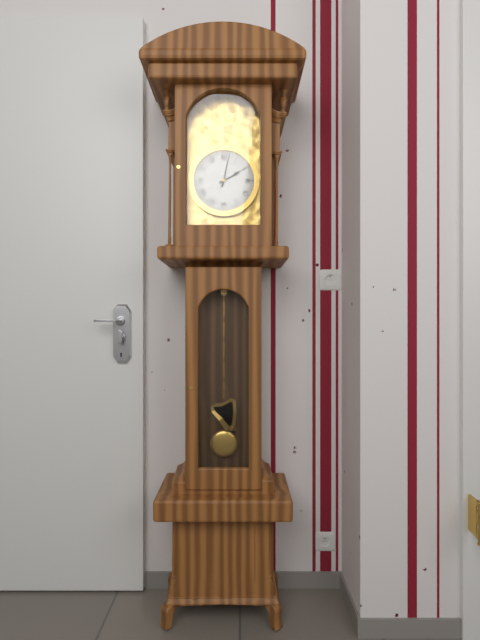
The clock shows 2:02
